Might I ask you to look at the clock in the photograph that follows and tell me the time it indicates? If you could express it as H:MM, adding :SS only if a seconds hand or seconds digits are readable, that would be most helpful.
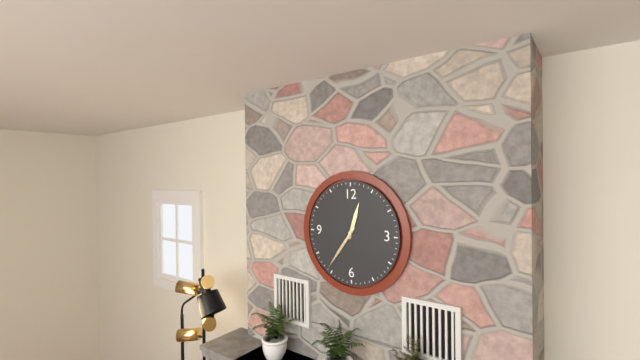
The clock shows 12:36
